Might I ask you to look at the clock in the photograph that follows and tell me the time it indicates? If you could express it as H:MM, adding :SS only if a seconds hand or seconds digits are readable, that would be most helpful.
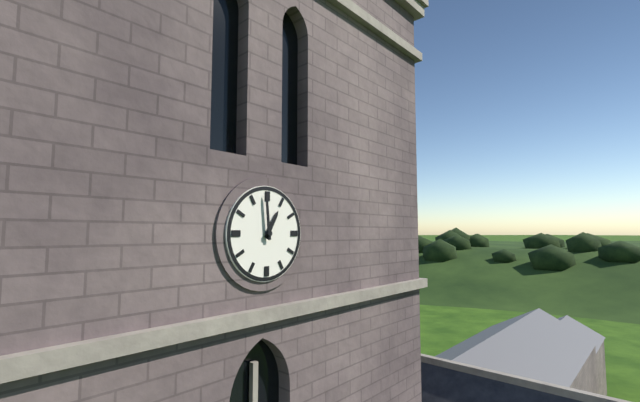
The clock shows 12:59
